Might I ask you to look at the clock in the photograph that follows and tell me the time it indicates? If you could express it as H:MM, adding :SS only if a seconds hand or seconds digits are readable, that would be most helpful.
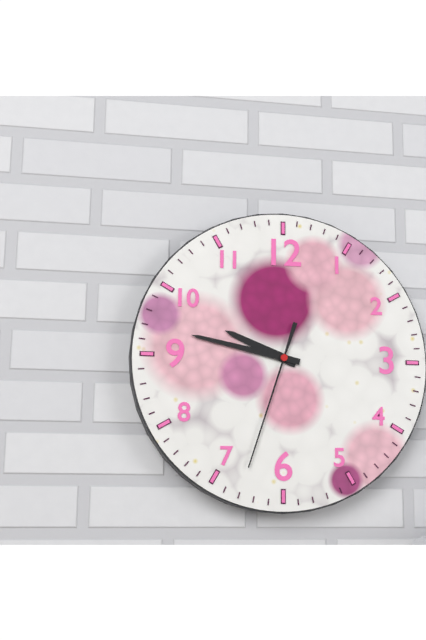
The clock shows 9:47:33
